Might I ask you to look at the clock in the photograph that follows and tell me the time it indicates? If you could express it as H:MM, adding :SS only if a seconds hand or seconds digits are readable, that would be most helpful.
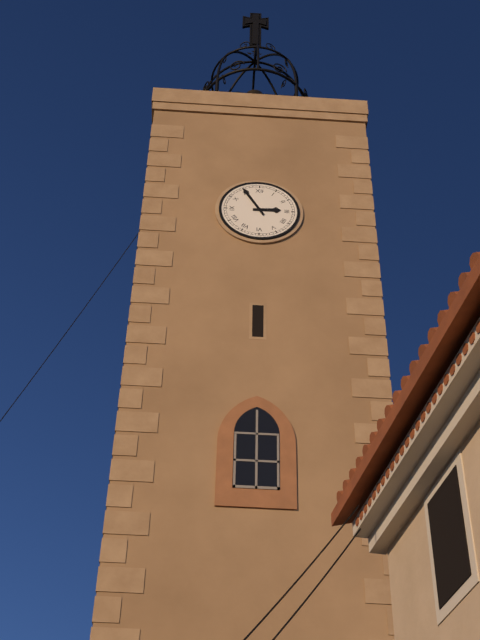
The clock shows 2:55
